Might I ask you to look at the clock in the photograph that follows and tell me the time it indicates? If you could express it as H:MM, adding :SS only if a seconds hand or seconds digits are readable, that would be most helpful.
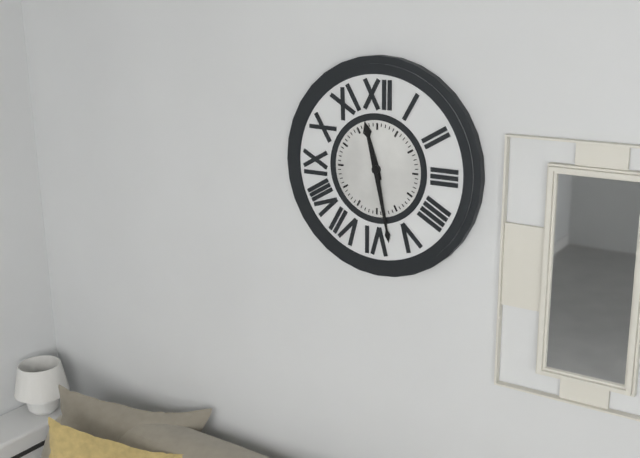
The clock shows 11:28
